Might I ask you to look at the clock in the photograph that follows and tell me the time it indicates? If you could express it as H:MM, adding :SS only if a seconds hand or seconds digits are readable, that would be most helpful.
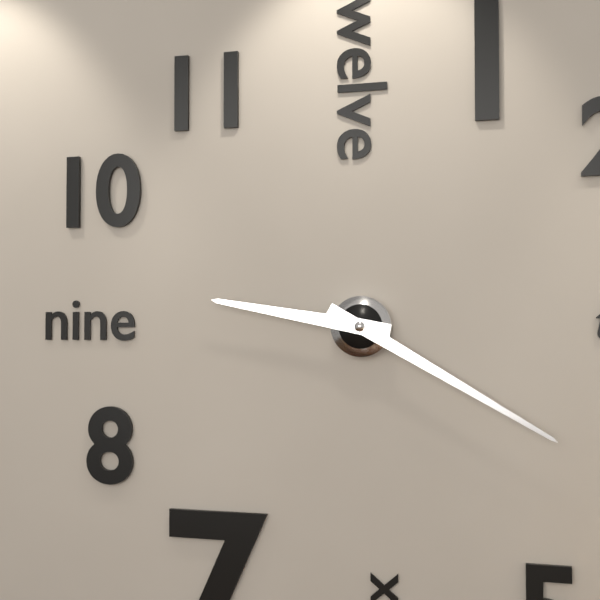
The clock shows 9:20
